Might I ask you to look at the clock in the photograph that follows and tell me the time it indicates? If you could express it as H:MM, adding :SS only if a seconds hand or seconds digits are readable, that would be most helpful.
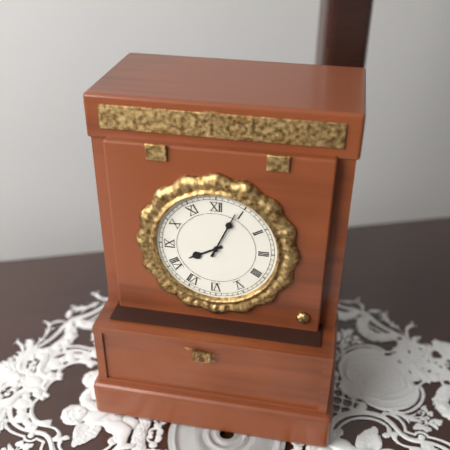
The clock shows 8:04
